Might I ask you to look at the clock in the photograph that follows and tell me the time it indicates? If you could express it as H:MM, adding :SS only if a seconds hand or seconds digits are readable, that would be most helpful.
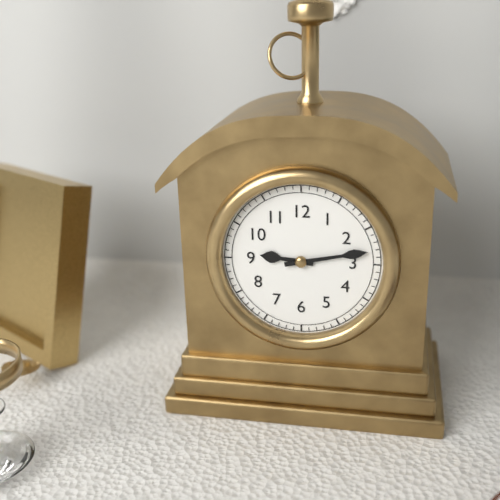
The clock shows 9:13
